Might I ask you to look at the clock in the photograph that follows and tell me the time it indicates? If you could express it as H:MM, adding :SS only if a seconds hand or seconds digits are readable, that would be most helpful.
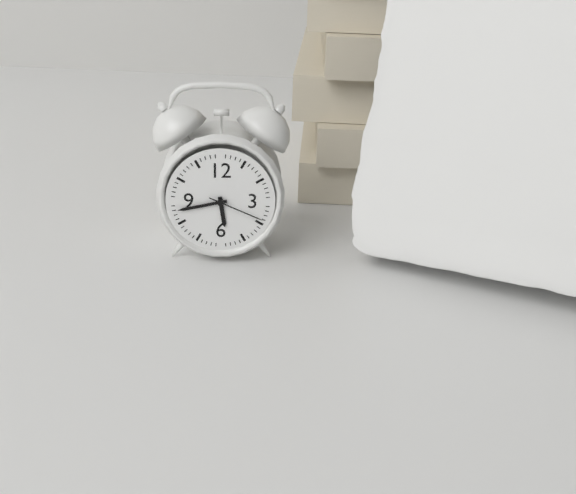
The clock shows 5:43:19
